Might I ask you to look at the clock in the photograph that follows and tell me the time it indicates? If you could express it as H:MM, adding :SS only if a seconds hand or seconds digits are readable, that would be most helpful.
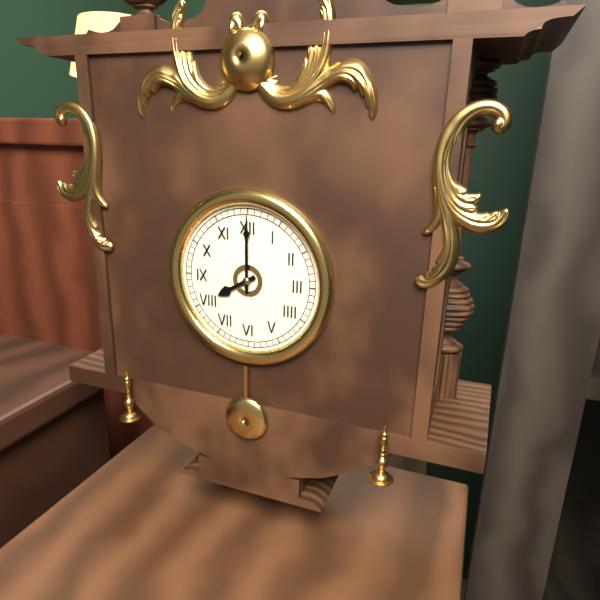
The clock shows 8:00
